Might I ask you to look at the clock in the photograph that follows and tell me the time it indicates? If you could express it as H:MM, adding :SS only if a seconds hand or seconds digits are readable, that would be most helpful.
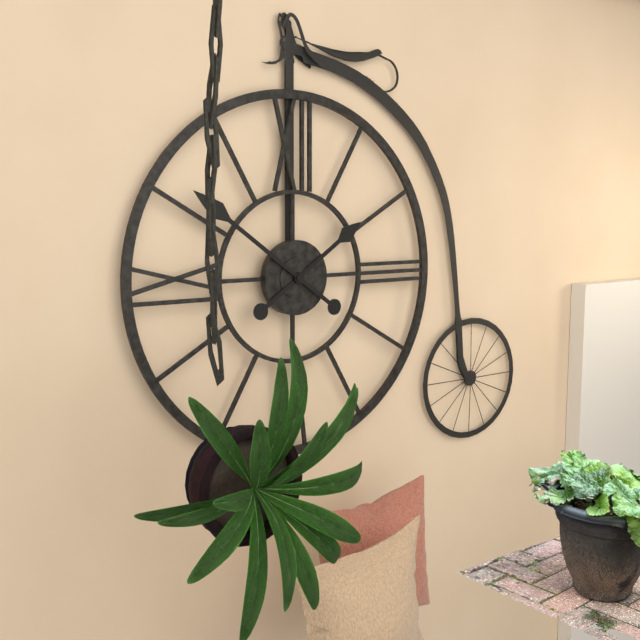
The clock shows 1:51
